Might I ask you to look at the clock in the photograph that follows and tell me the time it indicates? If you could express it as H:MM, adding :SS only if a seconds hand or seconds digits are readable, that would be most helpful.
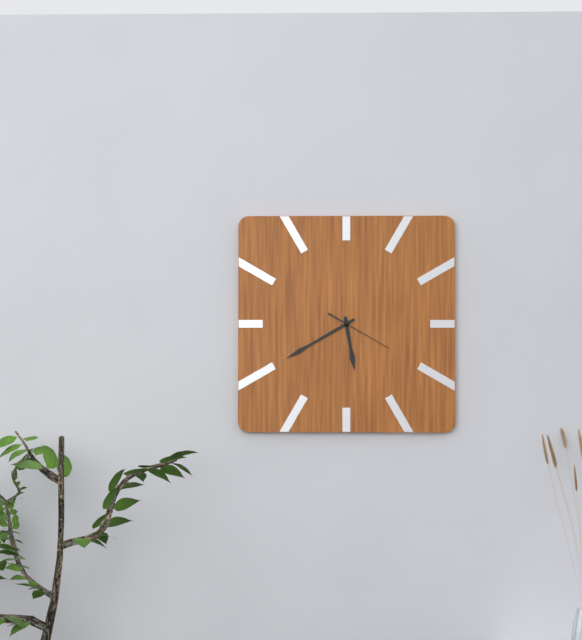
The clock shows 5:40:20
